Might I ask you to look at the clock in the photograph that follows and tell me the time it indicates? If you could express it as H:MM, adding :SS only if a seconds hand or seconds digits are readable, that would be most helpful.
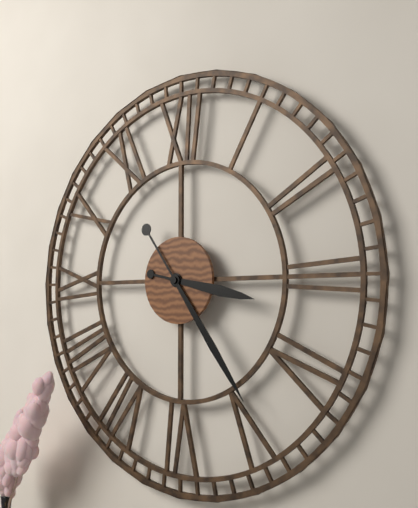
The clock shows 3:24
